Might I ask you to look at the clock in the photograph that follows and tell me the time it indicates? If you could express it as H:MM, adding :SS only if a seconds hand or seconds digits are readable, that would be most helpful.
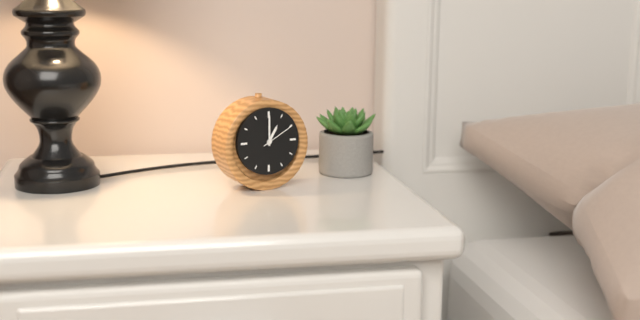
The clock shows 1:00
